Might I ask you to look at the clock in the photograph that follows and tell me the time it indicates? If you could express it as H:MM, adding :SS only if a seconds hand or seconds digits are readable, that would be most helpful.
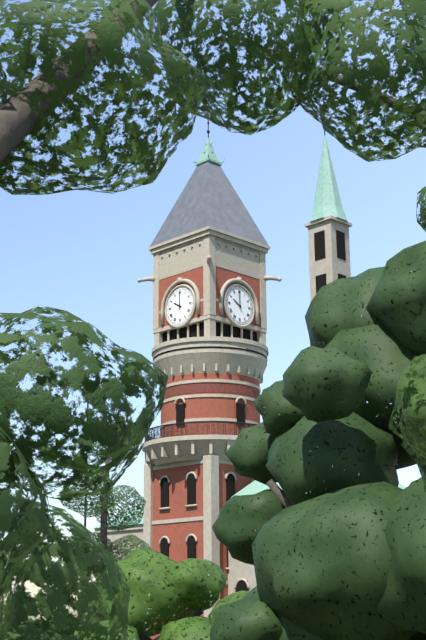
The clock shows 10:00
